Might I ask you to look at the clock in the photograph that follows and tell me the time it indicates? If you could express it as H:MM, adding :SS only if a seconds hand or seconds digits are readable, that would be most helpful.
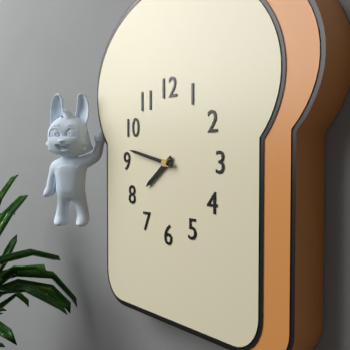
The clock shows 7:47
